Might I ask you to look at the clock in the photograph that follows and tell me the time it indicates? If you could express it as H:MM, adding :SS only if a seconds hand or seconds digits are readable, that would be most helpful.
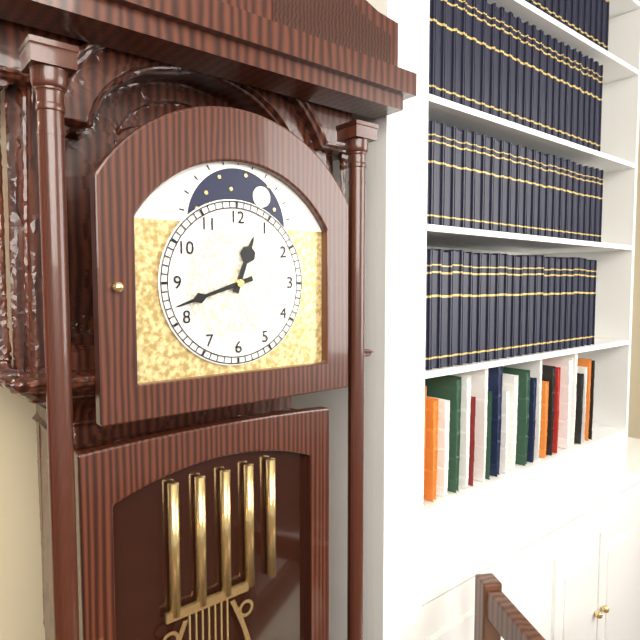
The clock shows 12:42
